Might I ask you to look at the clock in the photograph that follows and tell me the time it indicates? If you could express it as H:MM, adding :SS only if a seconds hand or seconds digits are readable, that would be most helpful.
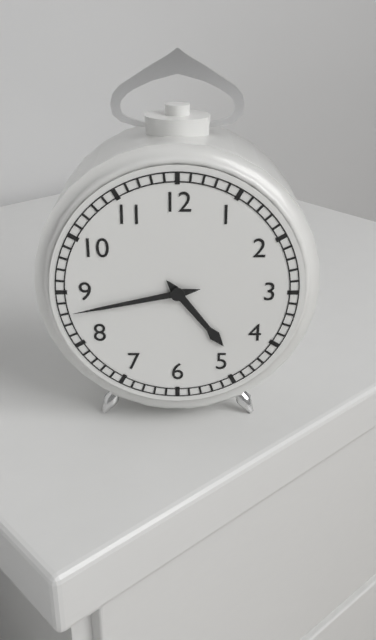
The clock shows 4:43
